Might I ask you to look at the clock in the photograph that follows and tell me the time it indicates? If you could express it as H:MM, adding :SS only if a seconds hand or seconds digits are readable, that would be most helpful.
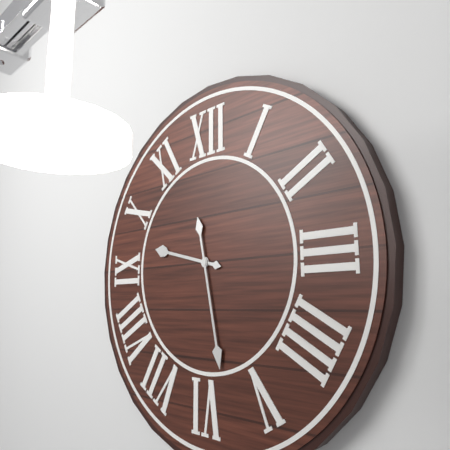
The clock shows 9:28
